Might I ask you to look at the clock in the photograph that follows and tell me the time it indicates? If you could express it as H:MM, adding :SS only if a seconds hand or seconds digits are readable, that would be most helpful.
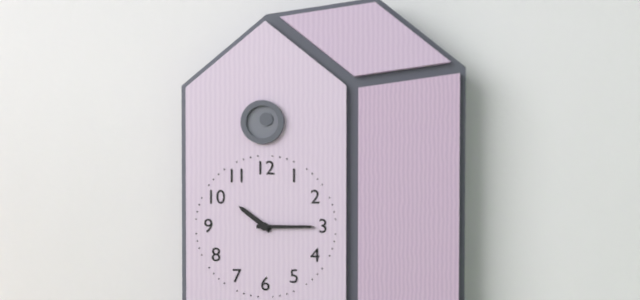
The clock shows 10:15
